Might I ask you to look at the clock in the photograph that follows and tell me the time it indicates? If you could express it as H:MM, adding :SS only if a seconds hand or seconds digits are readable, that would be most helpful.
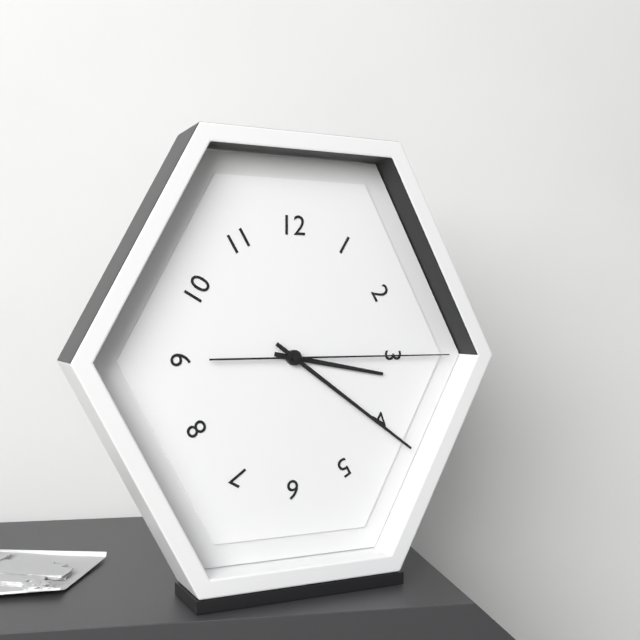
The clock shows 3:21:15
